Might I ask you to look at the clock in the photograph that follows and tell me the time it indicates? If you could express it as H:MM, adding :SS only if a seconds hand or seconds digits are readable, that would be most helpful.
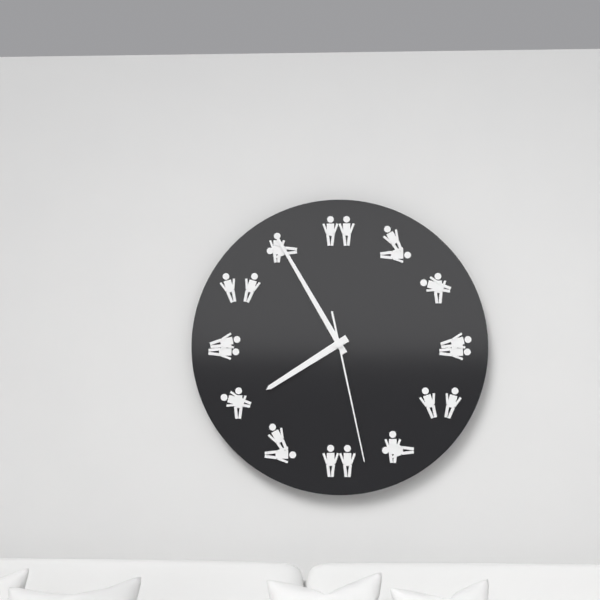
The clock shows 7:55:28
